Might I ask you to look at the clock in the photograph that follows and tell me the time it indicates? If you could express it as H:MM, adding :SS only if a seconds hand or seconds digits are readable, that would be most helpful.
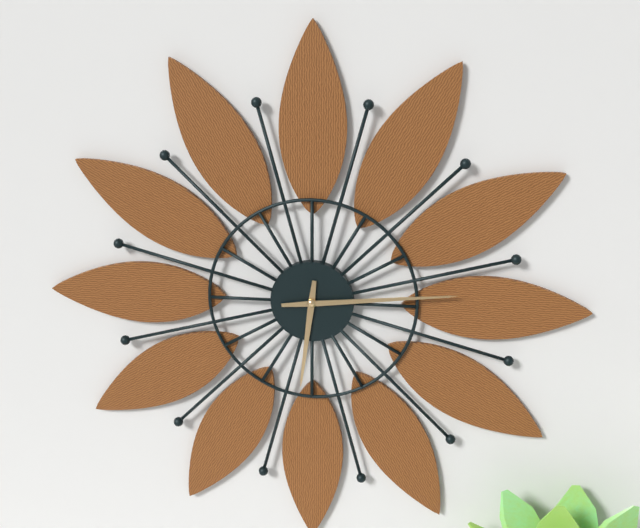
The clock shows 6:14
